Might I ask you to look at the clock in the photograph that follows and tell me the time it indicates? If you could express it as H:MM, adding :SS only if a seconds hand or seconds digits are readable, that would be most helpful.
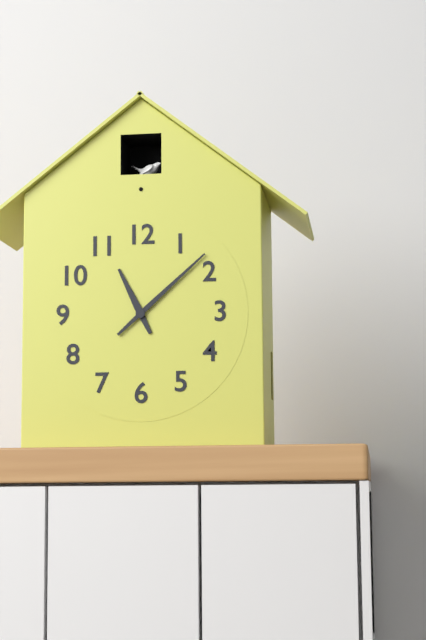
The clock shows 11:08
